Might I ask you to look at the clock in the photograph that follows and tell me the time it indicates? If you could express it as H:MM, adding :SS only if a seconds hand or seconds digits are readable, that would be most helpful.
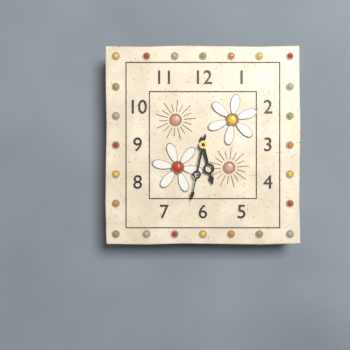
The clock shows 5:32
